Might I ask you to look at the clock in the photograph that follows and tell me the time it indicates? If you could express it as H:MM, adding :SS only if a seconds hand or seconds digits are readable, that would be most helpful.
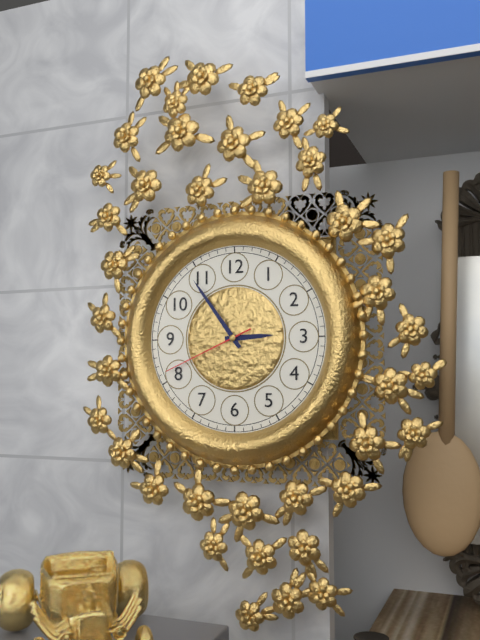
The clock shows 2:54:41
